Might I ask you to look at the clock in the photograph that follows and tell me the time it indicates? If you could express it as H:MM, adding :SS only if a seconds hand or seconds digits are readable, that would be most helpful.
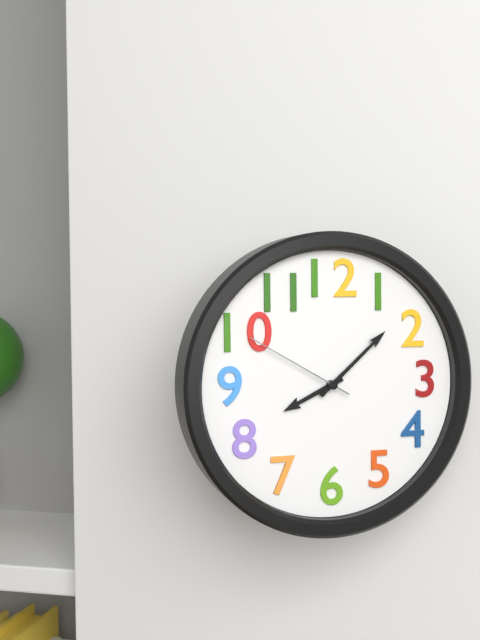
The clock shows 8:08:50
